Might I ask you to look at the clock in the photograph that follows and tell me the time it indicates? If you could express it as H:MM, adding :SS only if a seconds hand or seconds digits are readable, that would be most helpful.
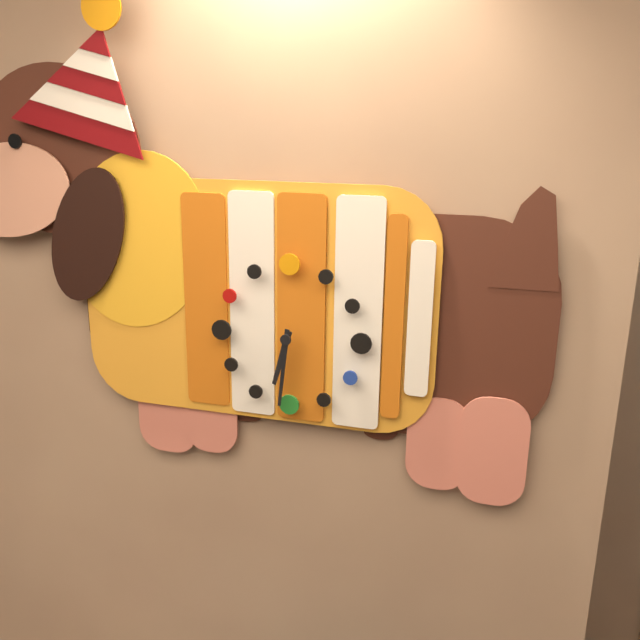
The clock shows 6:31
